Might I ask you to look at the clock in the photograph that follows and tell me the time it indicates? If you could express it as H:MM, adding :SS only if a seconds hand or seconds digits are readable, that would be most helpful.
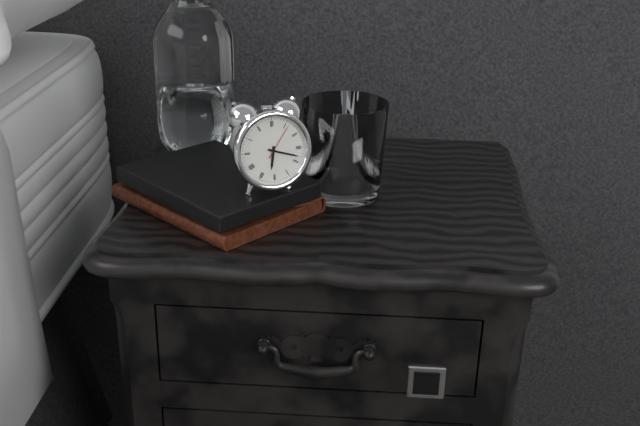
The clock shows 6:18
